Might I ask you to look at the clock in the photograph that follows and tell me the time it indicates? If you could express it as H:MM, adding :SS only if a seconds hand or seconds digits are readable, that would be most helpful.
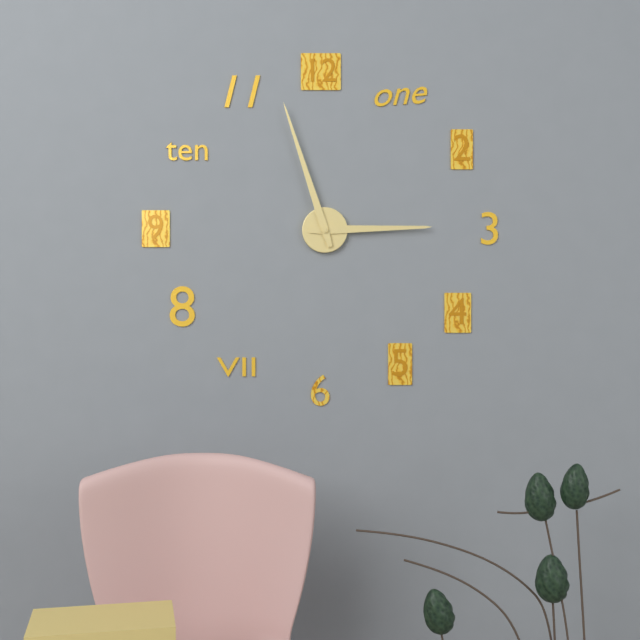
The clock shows 2:57
